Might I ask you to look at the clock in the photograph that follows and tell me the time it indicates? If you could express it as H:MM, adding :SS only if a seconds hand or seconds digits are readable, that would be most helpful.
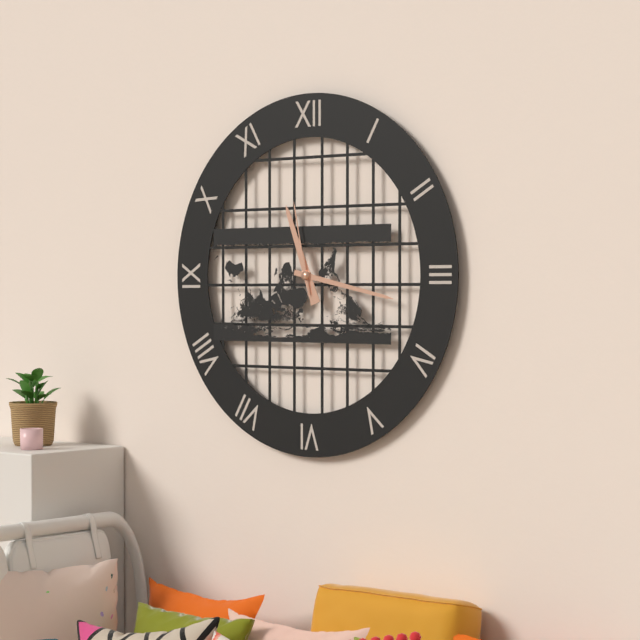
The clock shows 11:17:58
